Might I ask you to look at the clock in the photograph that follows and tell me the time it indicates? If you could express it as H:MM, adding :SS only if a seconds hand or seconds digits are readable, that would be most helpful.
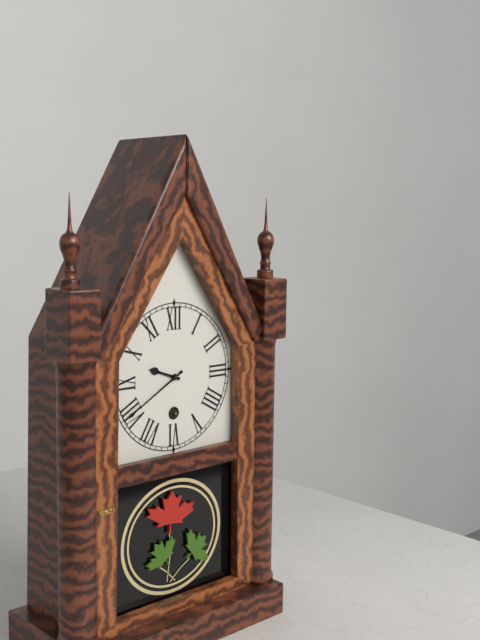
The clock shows 9:40
